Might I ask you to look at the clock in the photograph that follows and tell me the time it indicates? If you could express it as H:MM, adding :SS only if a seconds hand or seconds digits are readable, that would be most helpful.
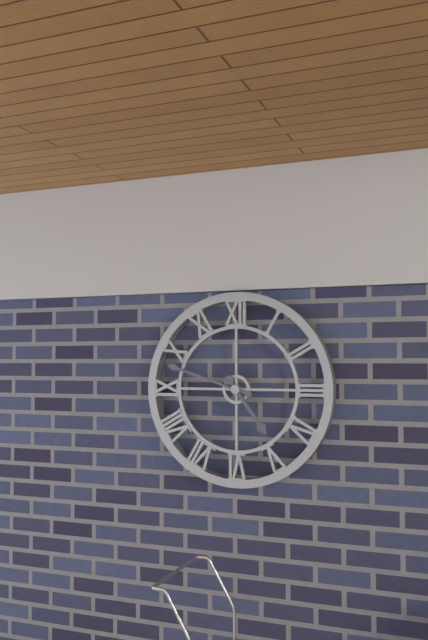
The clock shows 4:48
